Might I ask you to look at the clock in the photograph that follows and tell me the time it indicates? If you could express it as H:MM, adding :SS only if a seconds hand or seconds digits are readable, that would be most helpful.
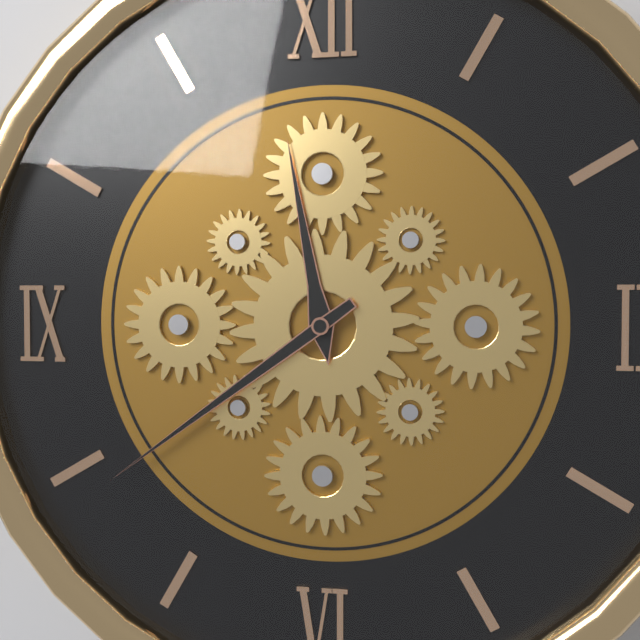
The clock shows 11:39
